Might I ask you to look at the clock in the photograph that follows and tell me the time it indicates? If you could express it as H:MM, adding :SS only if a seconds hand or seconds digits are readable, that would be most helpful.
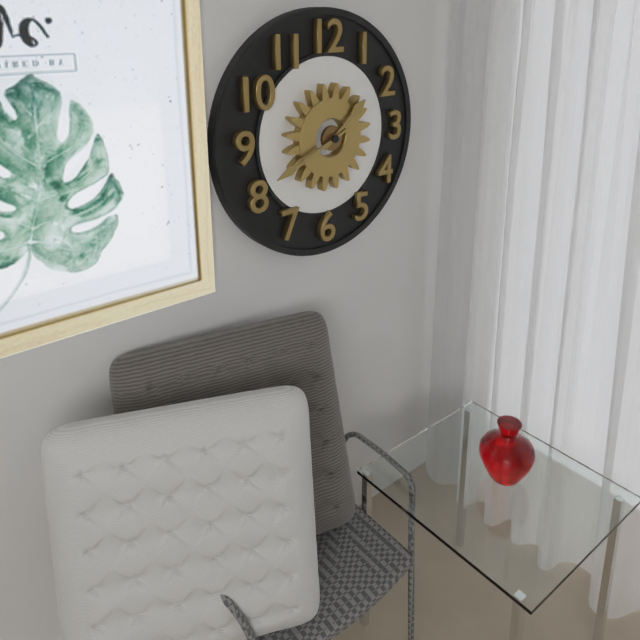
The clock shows 1:41
